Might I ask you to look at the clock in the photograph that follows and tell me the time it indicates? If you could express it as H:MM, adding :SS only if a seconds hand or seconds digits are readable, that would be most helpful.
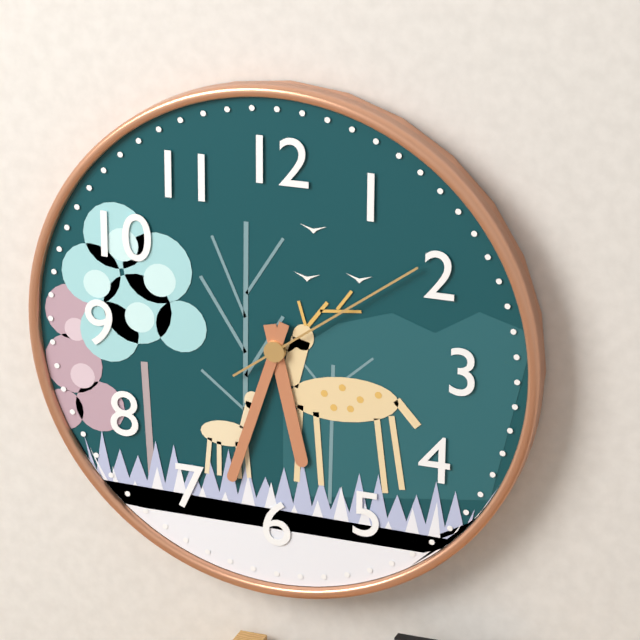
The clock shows 5:33:09
